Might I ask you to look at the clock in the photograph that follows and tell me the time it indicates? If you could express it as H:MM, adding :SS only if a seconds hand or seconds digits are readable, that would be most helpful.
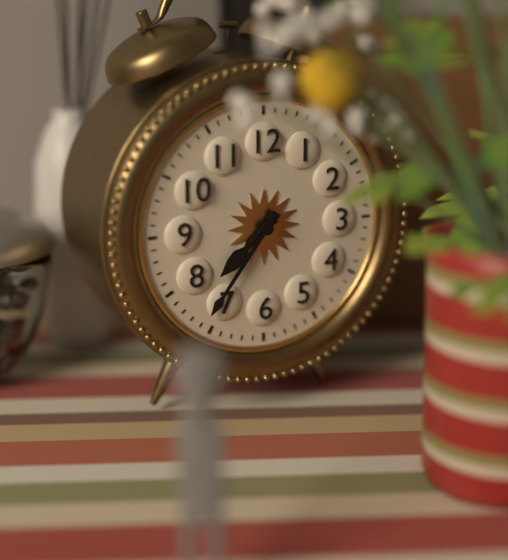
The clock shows 7:36
